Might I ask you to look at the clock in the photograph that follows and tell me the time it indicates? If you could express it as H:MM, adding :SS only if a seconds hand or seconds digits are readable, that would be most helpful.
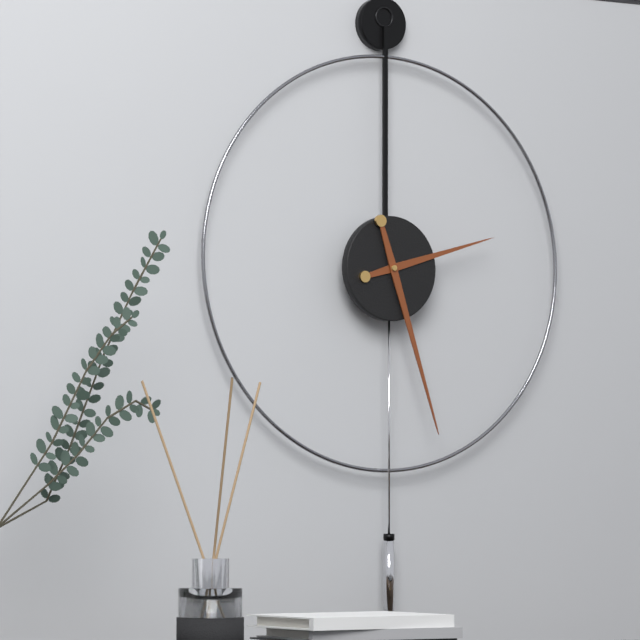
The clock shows 2:27
